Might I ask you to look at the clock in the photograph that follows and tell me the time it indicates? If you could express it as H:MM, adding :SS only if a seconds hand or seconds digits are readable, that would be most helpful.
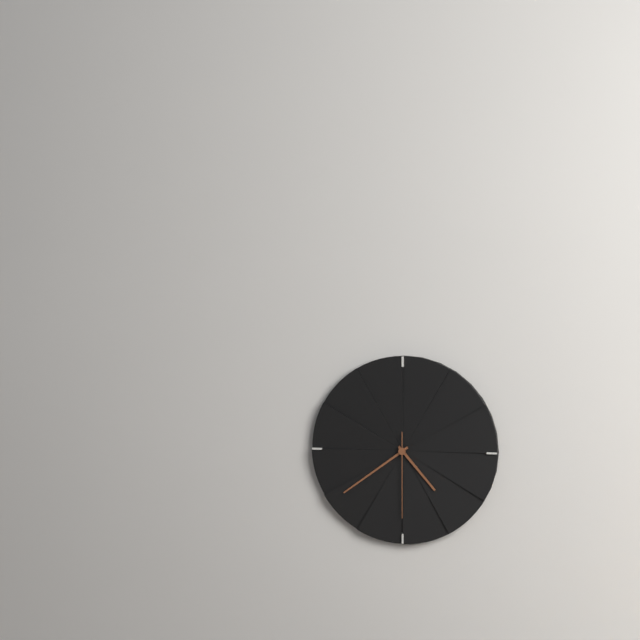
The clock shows 4:39:30
